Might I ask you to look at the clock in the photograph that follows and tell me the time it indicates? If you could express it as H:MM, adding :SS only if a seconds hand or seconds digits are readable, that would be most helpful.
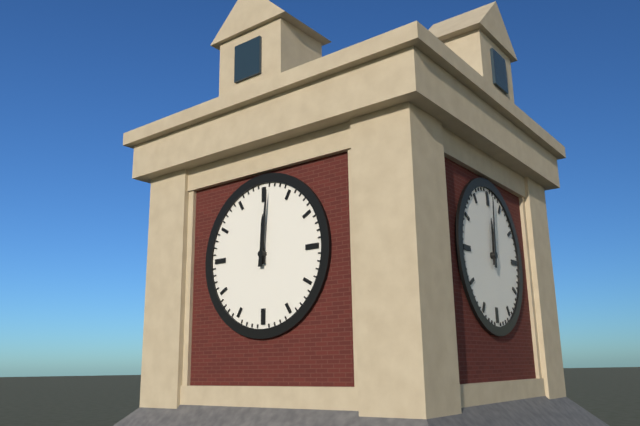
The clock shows 12:01
